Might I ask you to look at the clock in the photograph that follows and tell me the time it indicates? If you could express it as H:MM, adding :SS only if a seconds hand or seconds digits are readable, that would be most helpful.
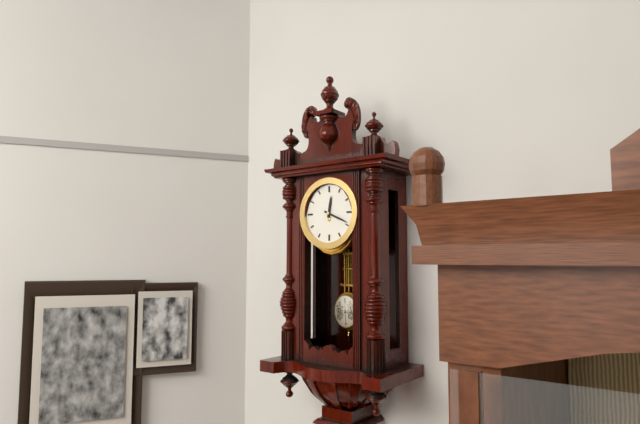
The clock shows 12:19
